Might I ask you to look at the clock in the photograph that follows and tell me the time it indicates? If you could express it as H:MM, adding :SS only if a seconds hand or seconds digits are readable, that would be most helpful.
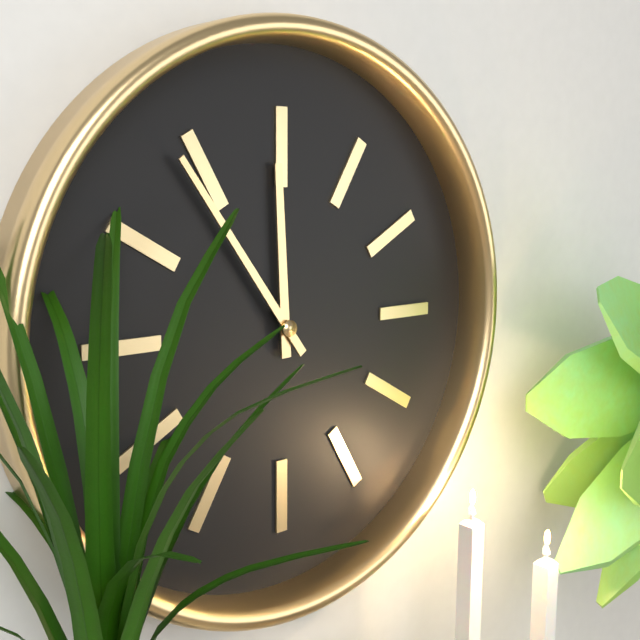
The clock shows 11:54
